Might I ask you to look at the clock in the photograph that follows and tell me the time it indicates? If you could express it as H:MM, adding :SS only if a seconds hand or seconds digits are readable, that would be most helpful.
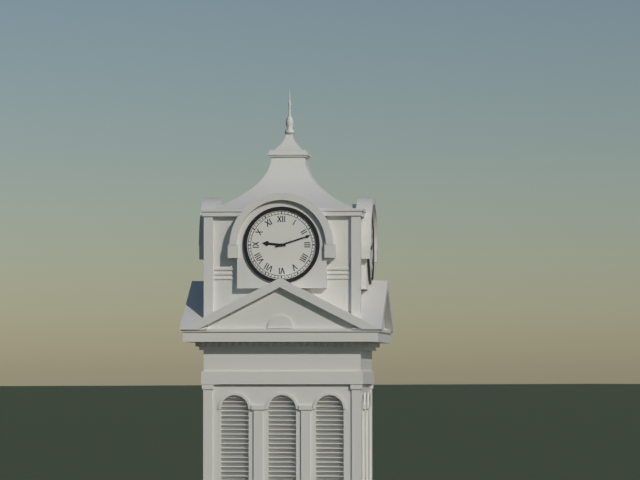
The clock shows 9:12
